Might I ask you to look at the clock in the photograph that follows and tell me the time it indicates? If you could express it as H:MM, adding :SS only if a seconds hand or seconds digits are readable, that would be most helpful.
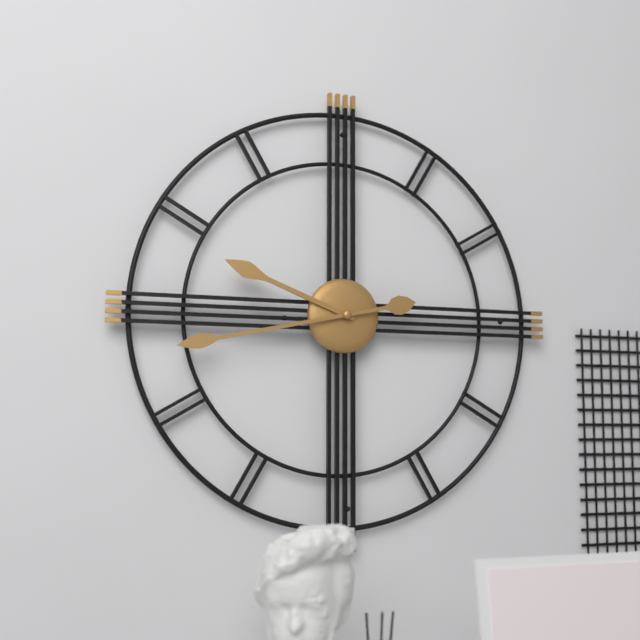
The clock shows 9:43
